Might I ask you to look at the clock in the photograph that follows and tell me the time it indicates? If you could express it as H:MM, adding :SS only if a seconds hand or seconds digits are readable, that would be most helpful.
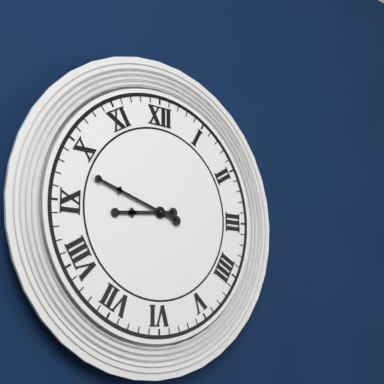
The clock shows 8:48
